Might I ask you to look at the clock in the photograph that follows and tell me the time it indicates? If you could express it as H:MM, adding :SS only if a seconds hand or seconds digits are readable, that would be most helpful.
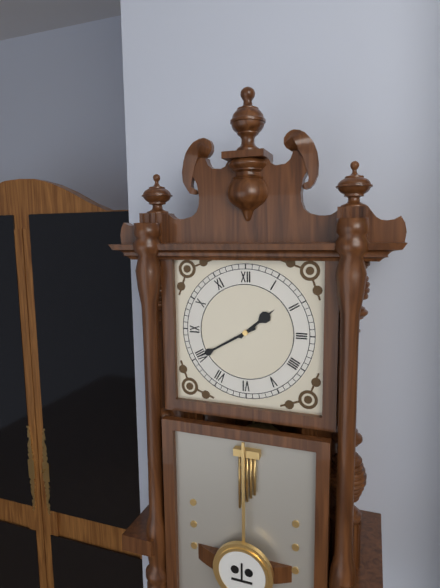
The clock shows 1:40
